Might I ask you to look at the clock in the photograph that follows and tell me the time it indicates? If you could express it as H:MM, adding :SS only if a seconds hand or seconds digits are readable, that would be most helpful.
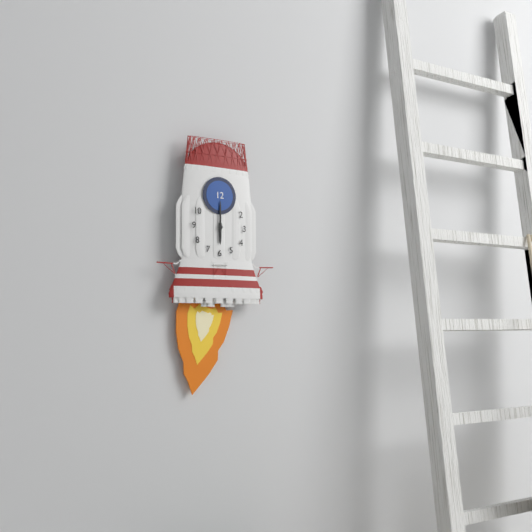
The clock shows 6:00
